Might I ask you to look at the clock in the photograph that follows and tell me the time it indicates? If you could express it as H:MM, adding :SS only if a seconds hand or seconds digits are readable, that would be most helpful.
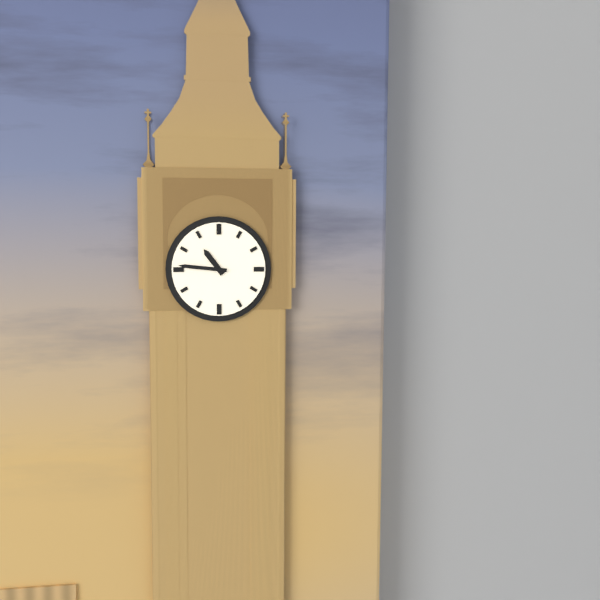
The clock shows 10:46
